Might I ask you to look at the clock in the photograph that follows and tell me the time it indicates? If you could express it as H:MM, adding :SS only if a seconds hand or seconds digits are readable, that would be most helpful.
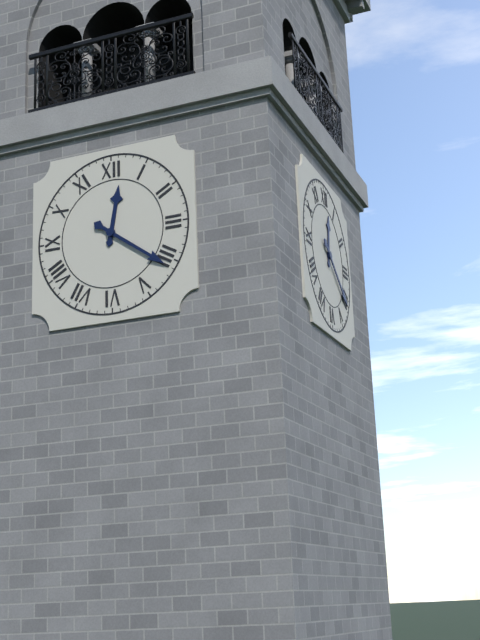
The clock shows 12:21
